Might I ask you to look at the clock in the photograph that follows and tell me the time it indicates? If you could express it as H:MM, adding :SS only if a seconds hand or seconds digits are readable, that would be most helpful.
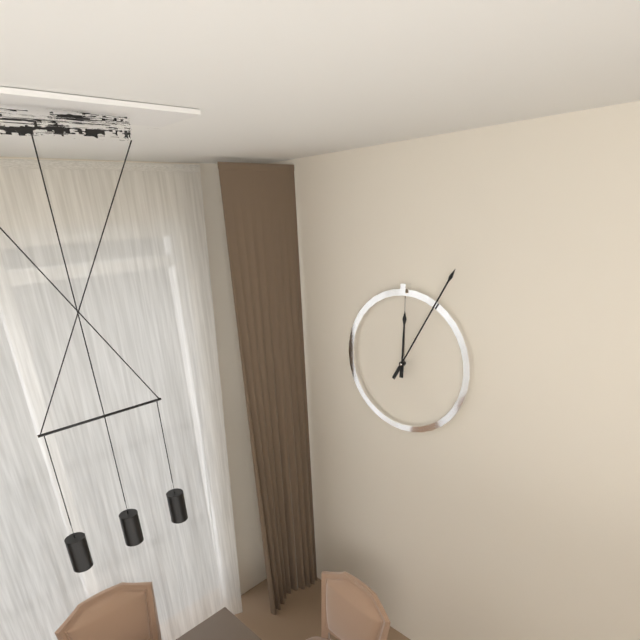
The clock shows 12:05
